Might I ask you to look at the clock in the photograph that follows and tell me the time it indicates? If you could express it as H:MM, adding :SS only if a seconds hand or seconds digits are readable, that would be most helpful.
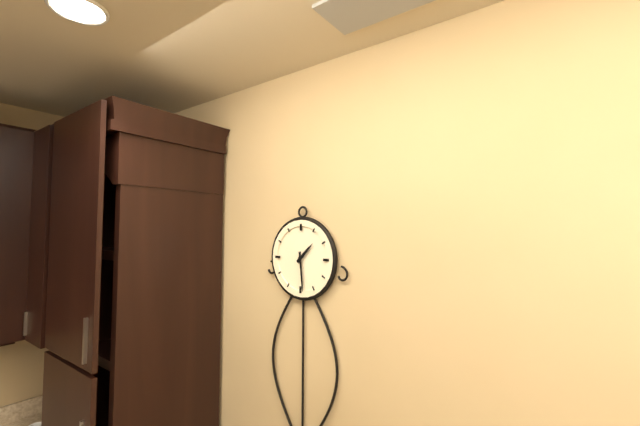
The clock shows 1:29
